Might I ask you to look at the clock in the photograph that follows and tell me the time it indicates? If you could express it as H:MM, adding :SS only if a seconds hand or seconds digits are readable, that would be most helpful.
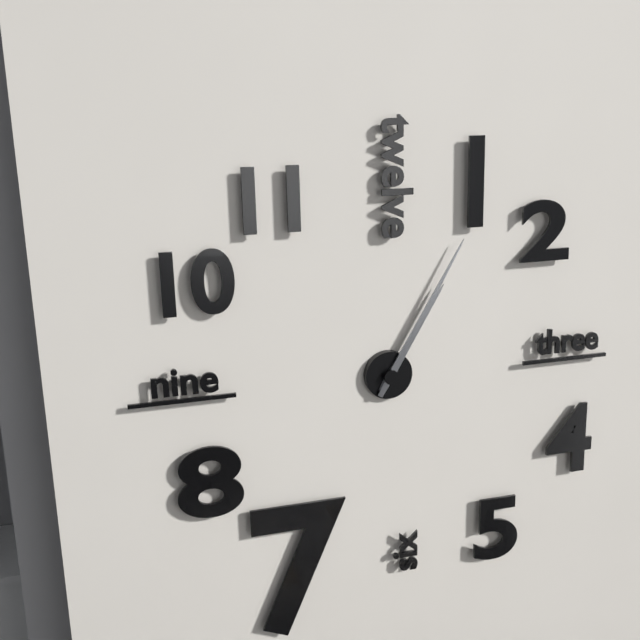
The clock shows 1:05
